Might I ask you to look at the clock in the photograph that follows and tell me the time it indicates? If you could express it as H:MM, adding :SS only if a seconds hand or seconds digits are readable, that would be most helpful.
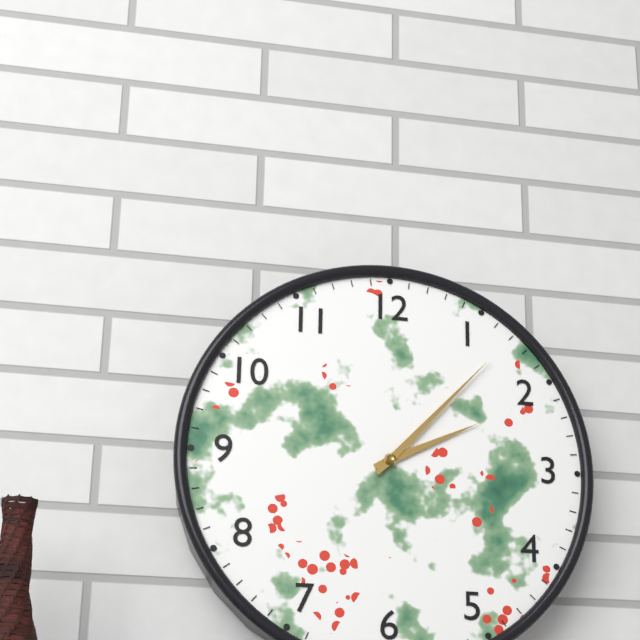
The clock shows 2:07
